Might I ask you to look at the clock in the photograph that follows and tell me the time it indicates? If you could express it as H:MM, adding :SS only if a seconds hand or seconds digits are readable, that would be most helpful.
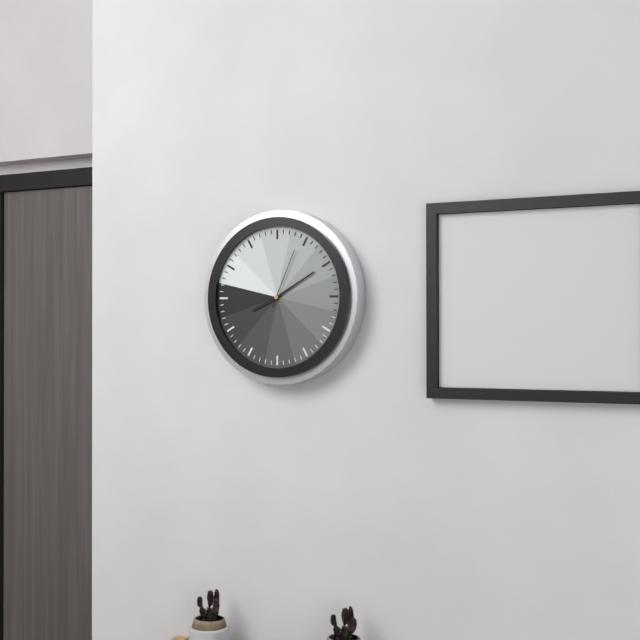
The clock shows 8:10:04
